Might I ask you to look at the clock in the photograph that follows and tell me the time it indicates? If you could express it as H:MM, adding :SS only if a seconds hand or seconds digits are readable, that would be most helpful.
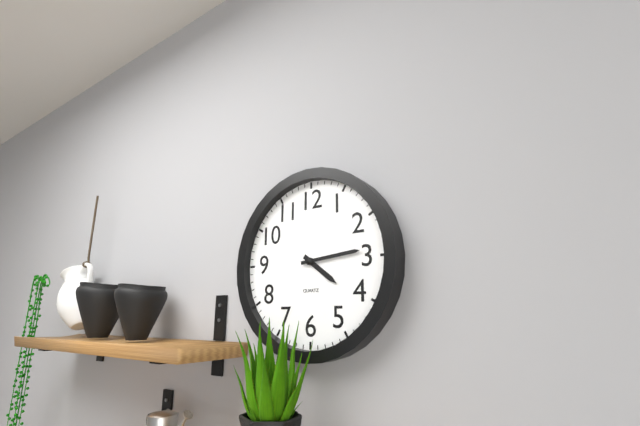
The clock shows 4:14
